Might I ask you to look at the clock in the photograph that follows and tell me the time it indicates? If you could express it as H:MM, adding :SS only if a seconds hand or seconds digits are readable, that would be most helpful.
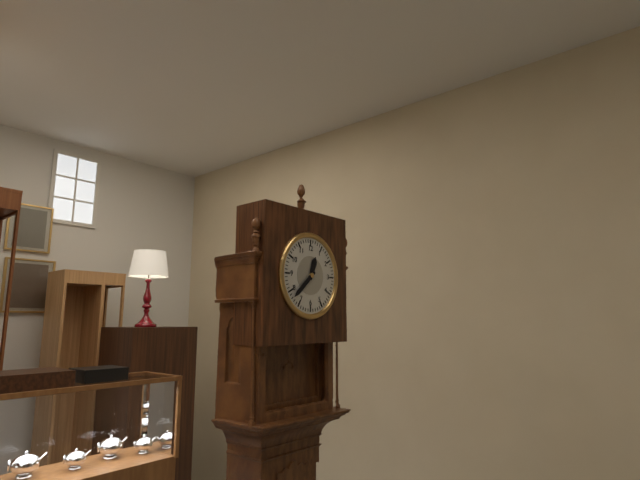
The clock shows 12:38
